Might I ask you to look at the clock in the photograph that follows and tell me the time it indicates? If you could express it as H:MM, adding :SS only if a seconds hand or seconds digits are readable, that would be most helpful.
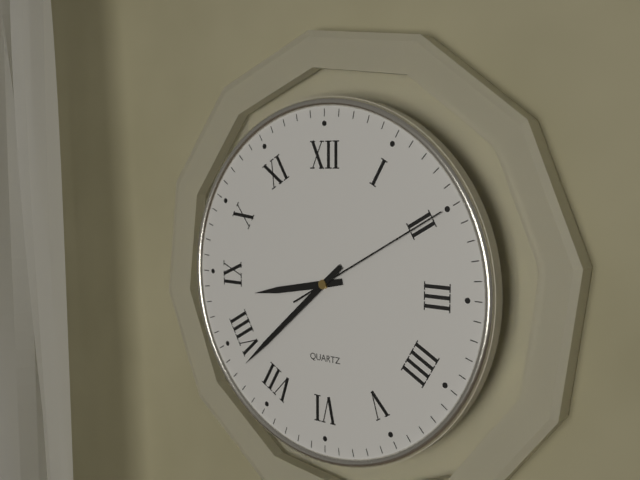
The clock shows 8:38:10
